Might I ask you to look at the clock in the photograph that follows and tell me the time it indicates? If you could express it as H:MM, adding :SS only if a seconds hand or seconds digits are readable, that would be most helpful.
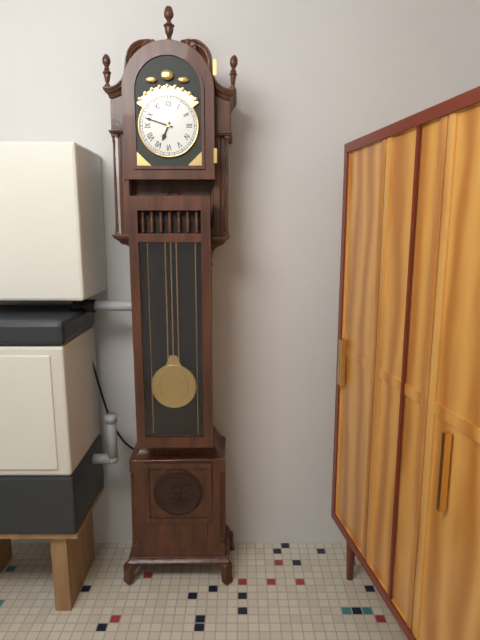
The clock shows 6:48
